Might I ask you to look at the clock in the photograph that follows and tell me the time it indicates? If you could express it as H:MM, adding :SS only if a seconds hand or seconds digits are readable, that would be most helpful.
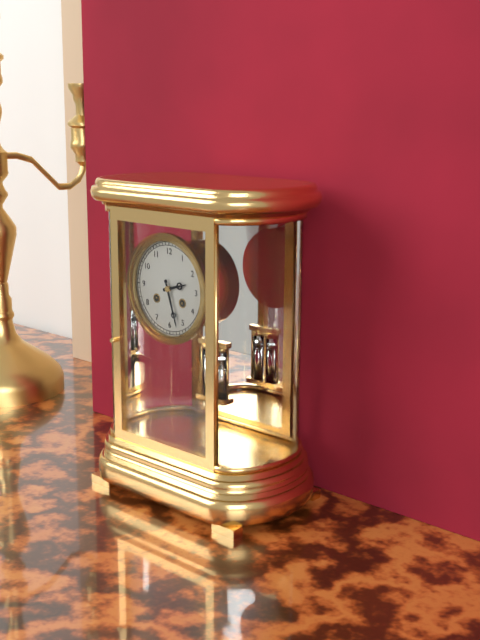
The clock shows 2:27
